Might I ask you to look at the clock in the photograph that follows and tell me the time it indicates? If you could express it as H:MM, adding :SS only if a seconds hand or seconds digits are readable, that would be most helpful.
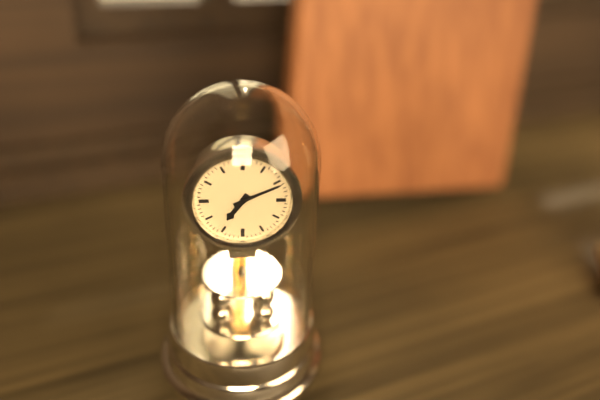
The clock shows 7:11
